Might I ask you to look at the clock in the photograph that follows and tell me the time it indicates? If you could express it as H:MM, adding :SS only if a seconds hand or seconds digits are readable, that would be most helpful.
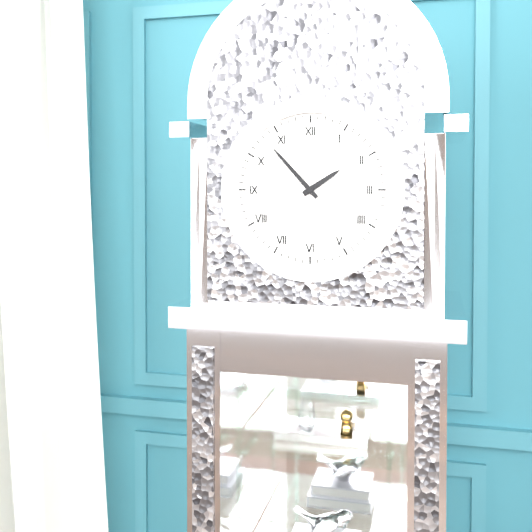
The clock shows 1:53
